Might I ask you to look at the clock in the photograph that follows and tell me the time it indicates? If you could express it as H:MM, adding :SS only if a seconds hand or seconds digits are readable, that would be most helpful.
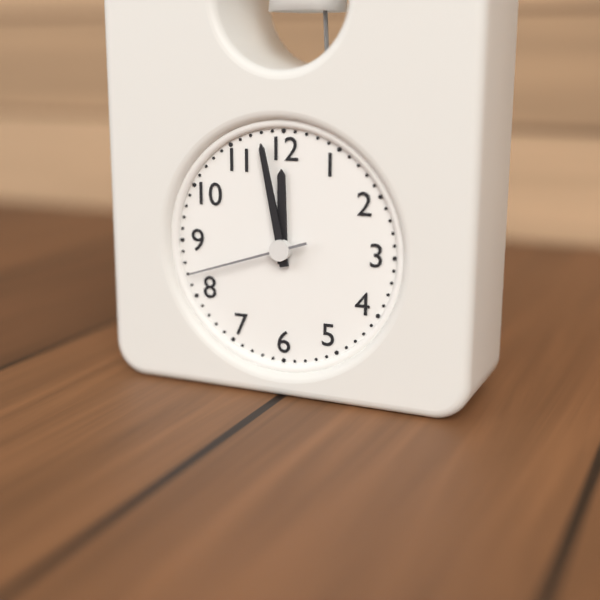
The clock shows 11:58:42
